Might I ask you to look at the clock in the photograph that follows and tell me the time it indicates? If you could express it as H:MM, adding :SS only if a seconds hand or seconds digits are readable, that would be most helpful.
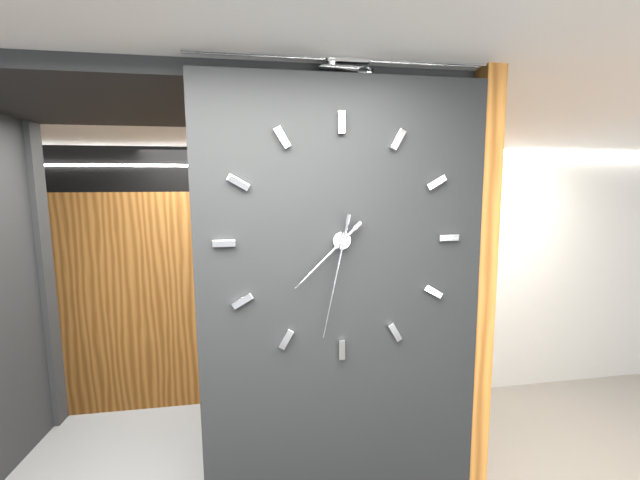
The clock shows 7:32
